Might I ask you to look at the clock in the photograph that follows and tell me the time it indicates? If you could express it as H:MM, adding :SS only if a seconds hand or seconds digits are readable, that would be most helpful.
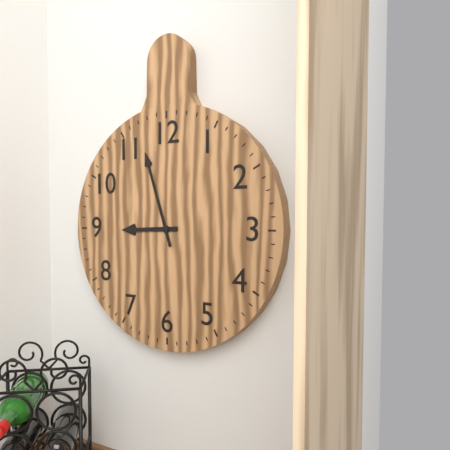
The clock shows 8:57
